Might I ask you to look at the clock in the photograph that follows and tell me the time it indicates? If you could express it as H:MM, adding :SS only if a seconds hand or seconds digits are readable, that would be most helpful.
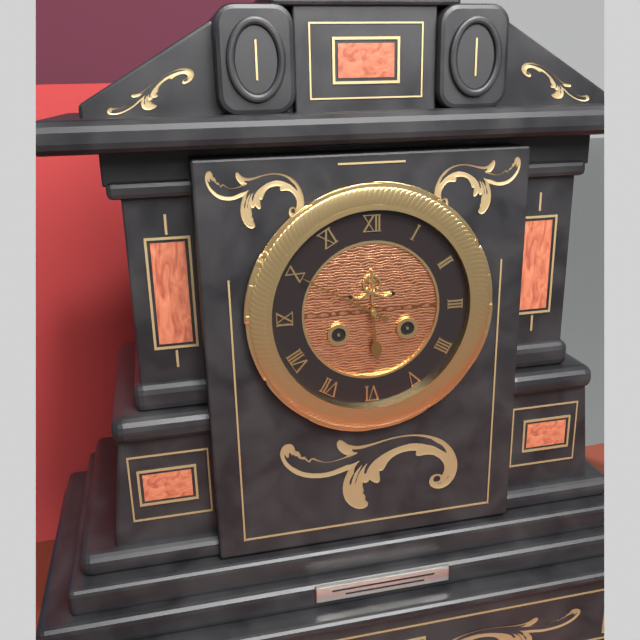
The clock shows 5:50
